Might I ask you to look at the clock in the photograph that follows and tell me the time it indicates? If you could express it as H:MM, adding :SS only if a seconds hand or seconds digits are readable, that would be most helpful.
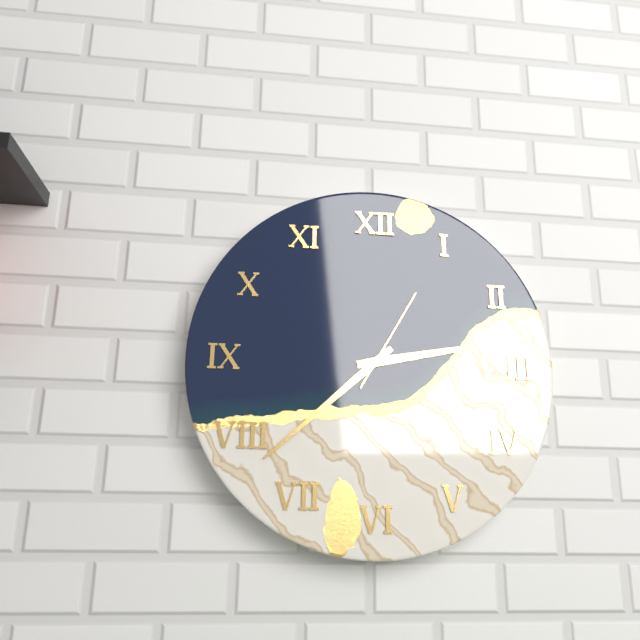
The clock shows 2:38:05
